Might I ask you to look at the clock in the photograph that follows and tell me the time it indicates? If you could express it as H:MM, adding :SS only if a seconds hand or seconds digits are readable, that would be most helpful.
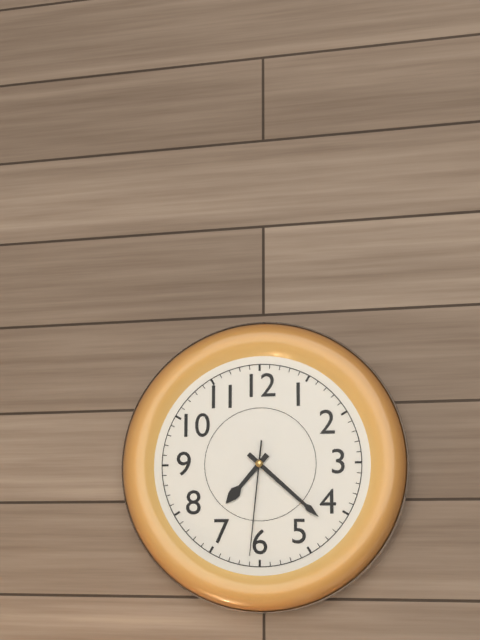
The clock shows 7:22:31
